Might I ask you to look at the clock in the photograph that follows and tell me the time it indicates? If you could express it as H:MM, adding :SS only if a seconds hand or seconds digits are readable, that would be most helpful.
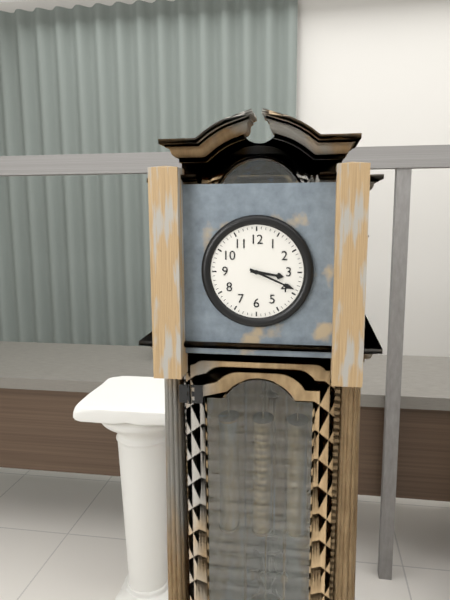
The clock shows 3:19
